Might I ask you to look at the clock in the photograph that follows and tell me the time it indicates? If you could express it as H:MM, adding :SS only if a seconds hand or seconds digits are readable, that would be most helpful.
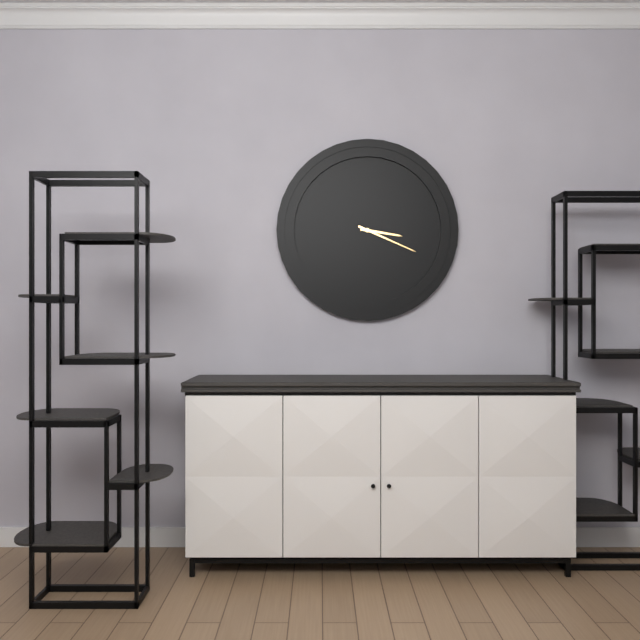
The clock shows 3:19
